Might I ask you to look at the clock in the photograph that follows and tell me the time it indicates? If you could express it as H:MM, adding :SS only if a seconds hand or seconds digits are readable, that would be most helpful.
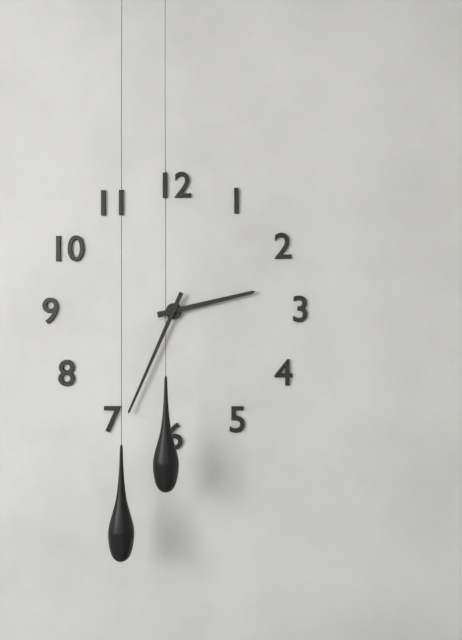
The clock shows 2:34
